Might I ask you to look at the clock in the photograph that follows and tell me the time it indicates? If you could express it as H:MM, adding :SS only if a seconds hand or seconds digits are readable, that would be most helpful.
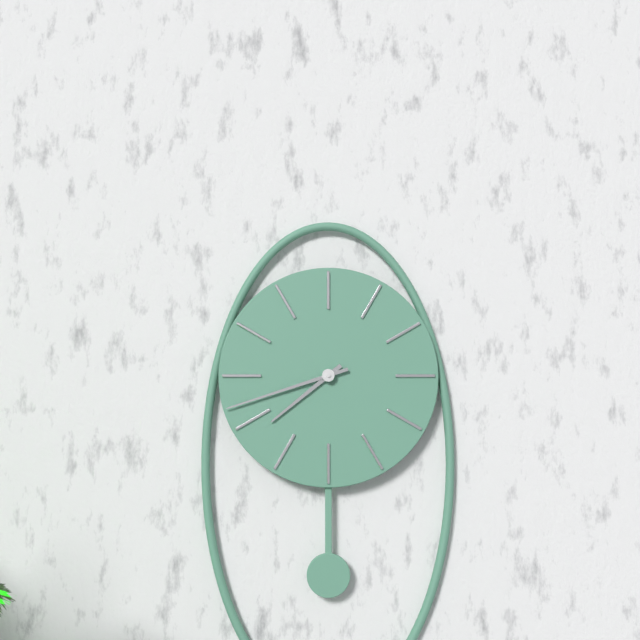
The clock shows 7:42
